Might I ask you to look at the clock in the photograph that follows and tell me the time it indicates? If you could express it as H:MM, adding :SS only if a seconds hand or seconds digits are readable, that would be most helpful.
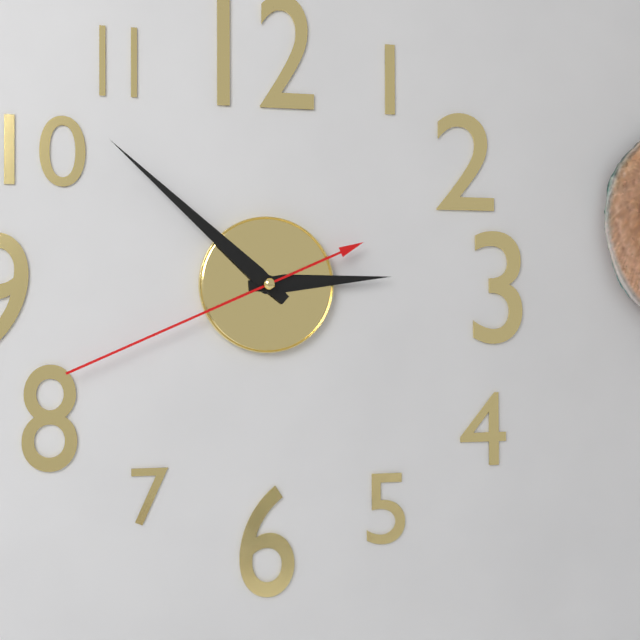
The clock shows 2:52:41
